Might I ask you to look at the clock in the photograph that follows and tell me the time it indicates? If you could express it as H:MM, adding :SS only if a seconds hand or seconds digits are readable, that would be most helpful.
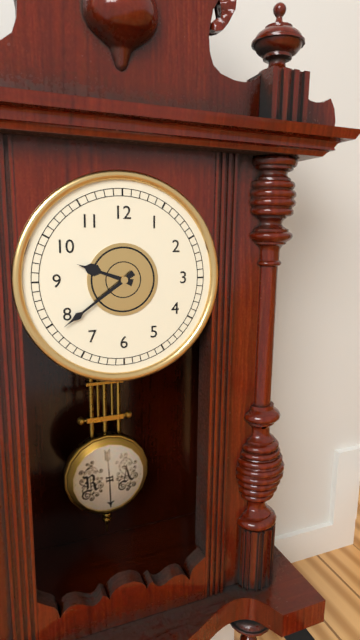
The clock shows 9:39
